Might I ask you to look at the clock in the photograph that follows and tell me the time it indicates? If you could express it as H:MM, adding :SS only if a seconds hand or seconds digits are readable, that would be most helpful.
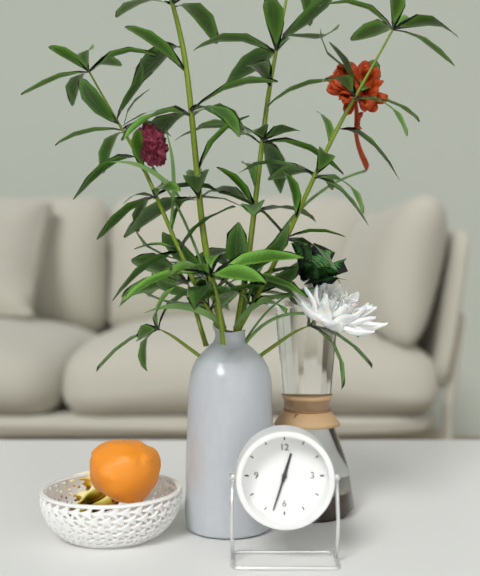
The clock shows 12:33
